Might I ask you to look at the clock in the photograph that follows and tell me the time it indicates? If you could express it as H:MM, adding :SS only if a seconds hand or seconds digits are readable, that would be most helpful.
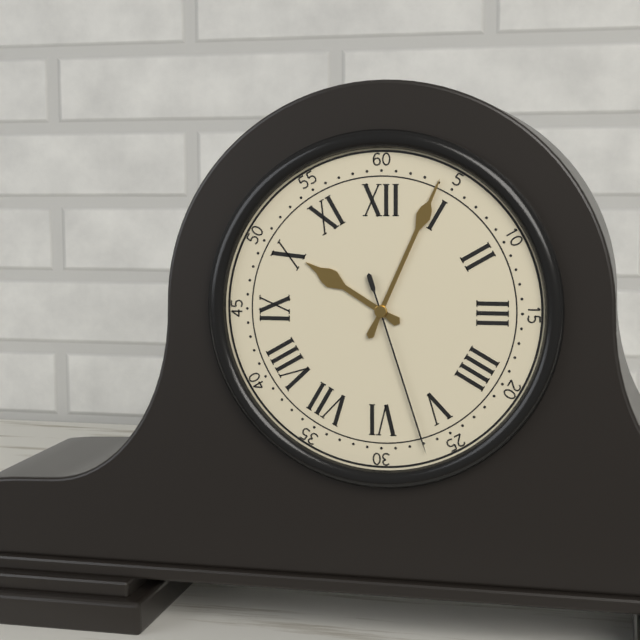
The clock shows 10:04:27
